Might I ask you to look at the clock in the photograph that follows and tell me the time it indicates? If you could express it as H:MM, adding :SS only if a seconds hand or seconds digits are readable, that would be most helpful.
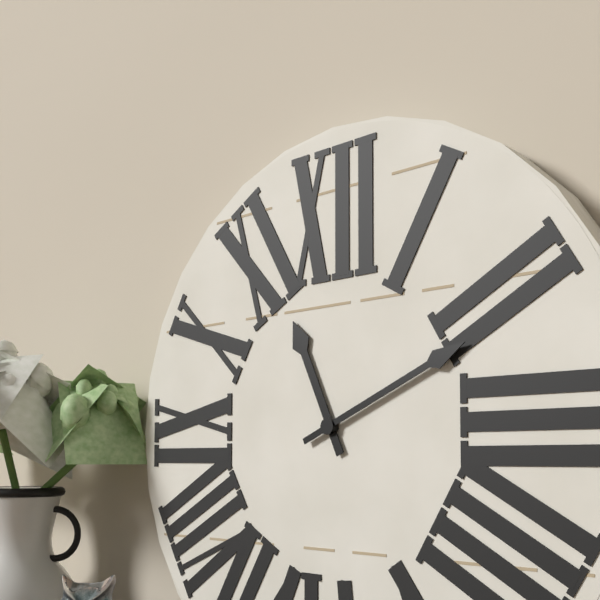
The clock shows 11:11
